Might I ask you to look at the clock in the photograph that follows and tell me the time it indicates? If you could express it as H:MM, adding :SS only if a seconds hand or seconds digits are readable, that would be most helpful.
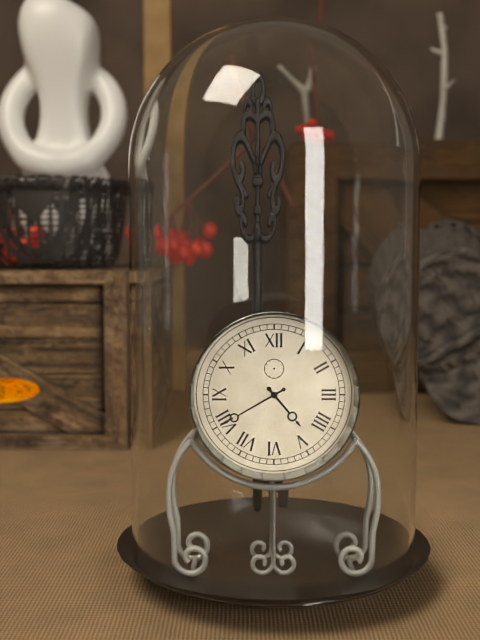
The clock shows 4:40
